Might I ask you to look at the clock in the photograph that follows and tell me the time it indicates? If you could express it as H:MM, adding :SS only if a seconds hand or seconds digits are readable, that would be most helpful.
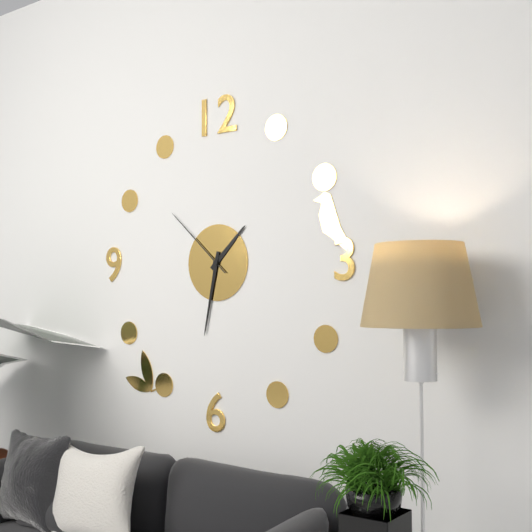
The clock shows 1:32:52
